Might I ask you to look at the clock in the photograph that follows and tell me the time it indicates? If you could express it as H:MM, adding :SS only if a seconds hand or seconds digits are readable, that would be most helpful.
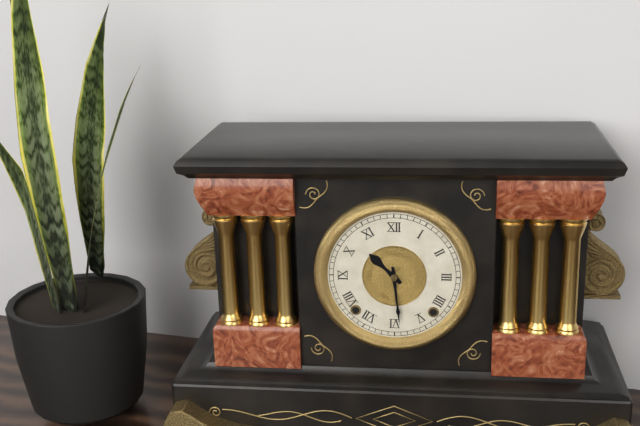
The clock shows 10:29
